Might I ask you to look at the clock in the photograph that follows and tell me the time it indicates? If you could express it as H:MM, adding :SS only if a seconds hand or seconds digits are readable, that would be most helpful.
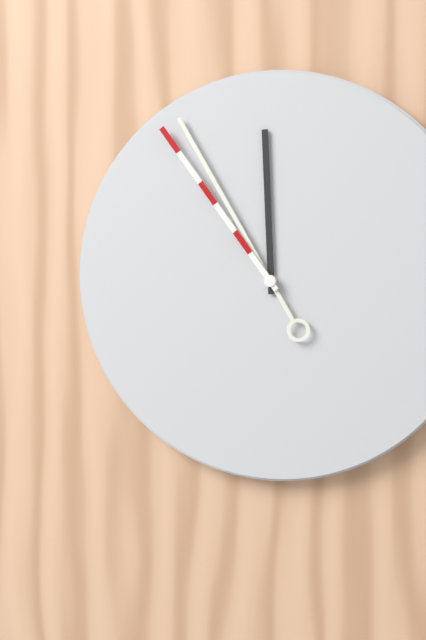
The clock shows 11:55:54
